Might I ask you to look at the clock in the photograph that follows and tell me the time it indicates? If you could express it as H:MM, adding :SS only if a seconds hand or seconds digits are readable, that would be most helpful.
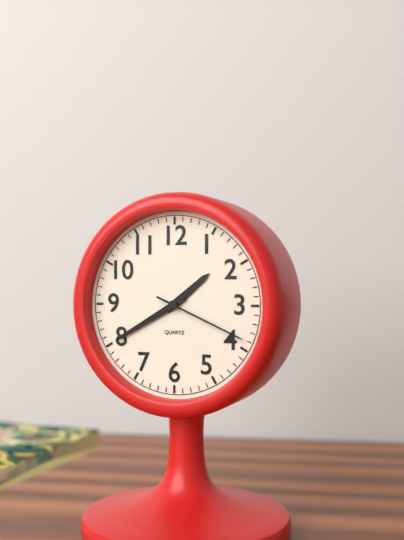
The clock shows 1:40:19
